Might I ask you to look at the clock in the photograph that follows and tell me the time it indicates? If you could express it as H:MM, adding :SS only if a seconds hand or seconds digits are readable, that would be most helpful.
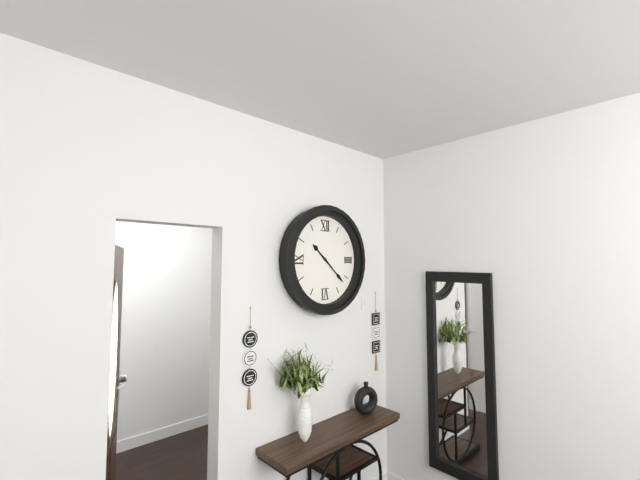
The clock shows 10:22
